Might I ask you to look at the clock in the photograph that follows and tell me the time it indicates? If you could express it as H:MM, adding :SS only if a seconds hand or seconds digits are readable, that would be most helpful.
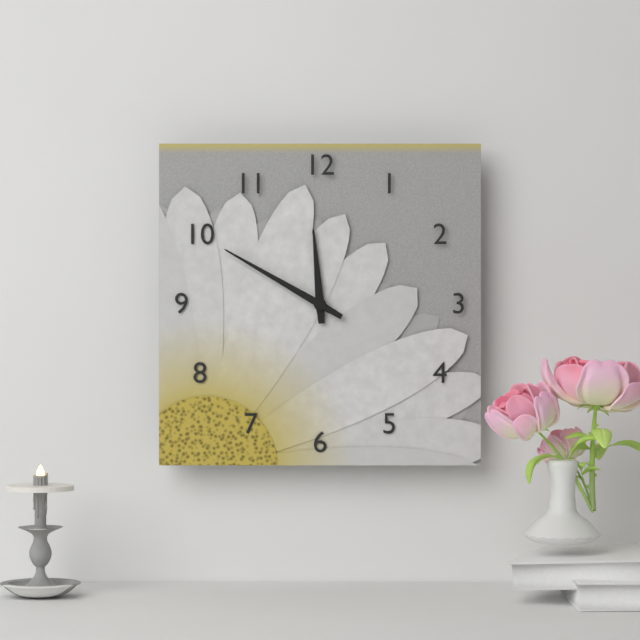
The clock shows 11:50
